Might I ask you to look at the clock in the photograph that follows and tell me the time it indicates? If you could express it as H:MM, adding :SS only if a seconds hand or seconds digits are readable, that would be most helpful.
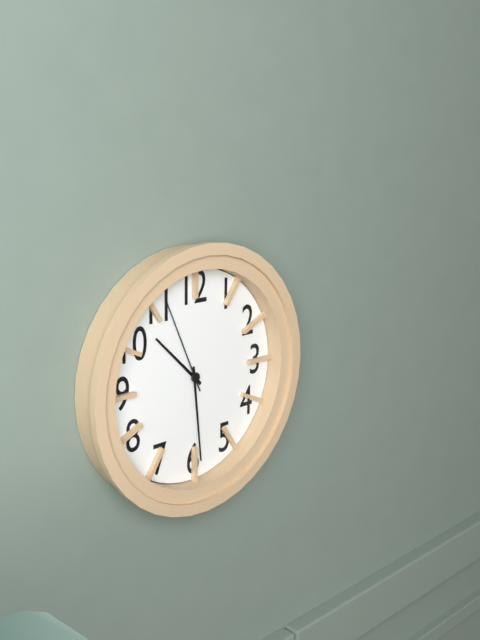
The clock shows 10:29:56
